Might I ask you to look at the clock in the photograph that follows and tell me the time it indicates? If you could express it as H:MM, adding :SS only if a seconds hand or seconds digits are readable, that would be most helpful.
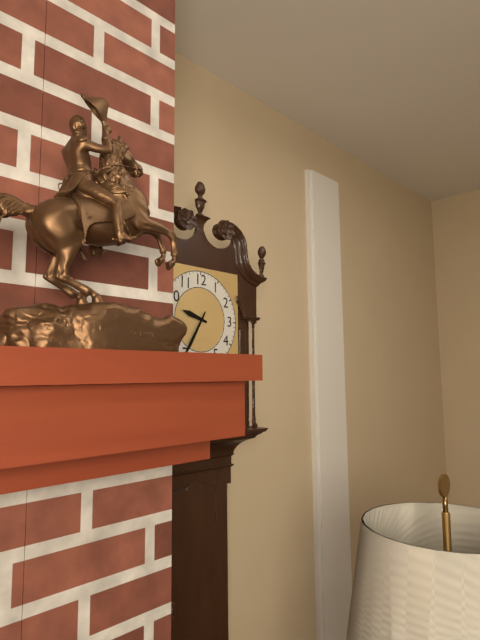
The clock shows 9:35
